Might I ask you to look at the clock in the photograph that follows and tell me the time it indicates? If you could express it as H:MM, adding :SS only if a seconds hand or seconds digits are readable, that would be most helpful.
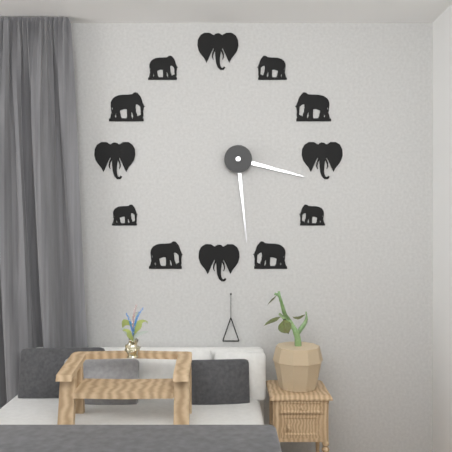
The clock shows 3:29
